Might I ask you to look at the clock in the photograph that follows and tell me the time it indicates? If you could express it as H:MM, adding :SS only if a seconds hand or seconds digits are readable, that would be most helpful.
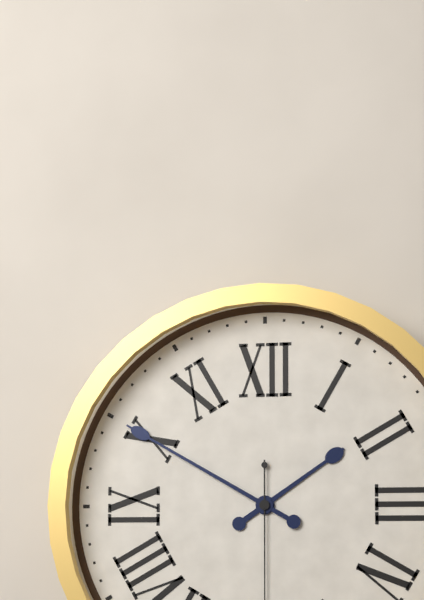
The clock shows 1:50
